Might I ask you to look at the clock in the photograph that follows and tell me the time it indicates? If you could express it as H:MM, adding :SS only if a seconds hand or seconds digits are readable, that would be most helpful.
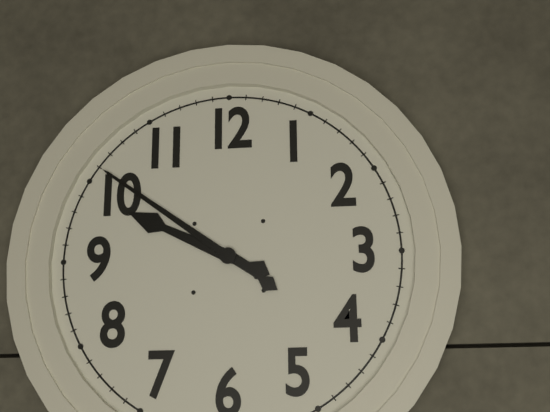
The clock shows 9:51
